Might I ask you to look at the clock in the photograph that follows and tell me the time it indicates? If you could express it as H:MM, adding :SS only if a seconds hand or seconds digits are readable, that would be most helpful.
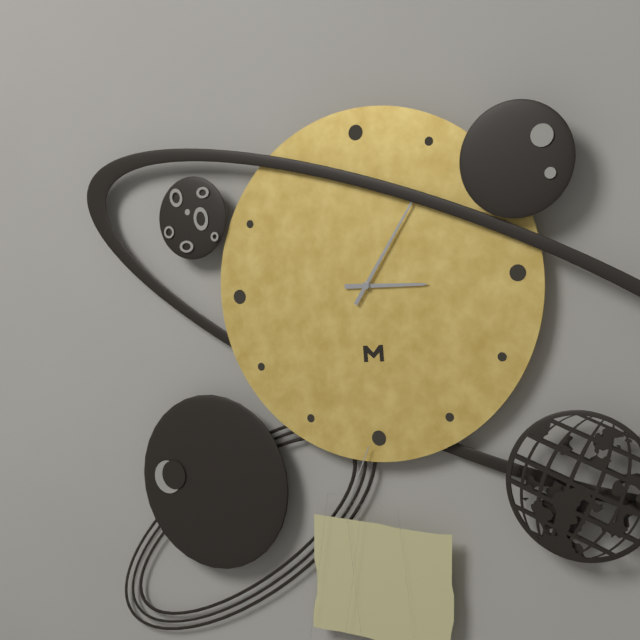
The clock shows 3:06
